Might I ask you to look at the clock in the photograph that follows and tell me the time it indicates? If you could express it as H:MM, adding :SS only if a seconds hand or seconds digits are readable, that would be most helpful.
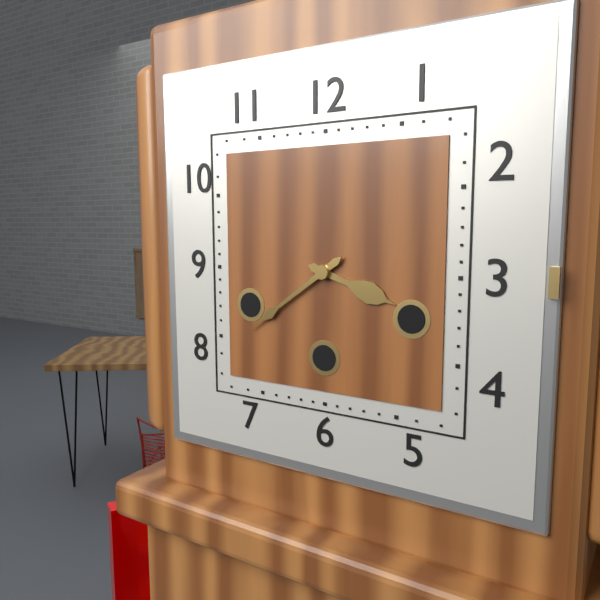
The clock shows 3:39
